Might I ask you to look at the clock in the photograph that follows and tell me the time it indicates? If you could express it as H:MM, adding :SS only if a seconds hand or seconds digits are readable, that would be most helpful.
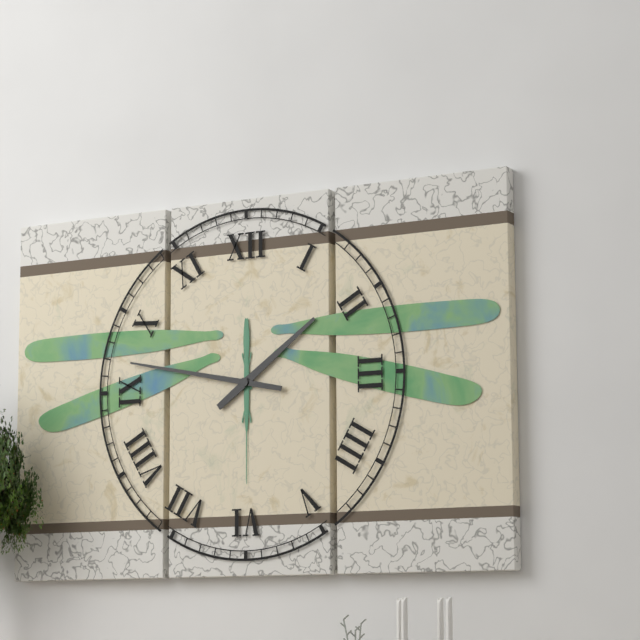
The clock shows 1:47
